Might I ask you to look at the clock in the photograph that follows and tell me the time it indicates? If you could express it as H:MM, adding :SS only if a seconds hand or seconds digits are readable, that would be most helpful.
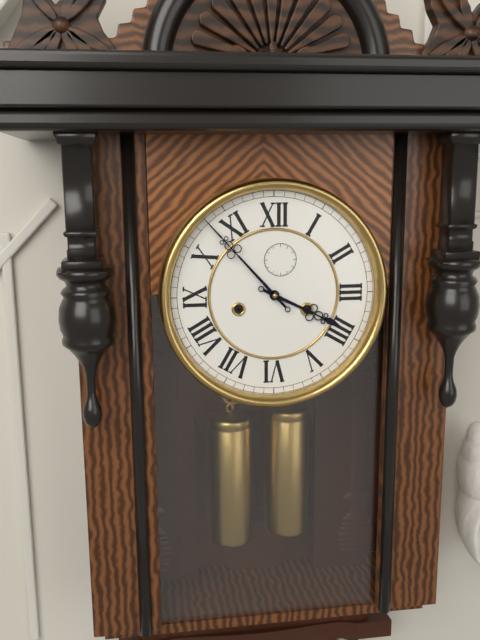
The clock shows 3:53
